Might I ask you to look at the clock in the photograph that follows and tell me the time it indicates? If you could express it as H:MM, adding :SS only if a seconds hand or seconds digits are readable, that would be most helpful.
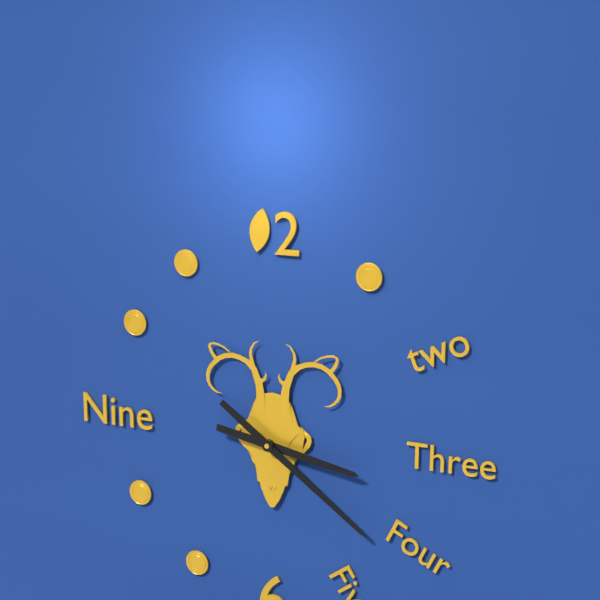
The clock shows 3:21
